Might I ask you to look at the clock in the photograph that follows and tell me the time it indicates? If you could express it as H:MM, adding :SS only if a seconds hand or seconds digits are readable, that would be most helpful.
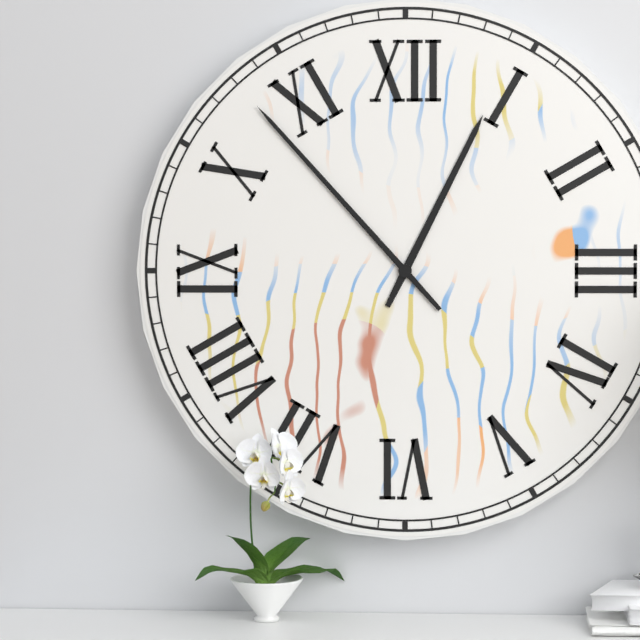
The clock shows 12:53
